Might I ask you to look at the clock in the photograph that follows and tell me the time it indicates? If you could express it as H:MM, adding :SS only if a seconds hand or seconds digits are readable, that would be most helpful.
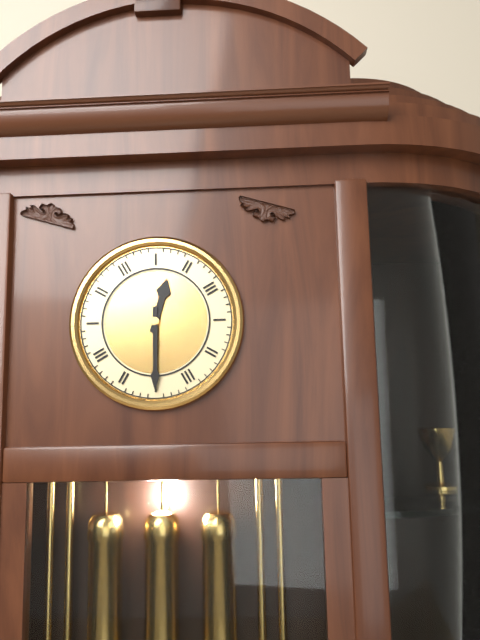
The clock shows 12:30
